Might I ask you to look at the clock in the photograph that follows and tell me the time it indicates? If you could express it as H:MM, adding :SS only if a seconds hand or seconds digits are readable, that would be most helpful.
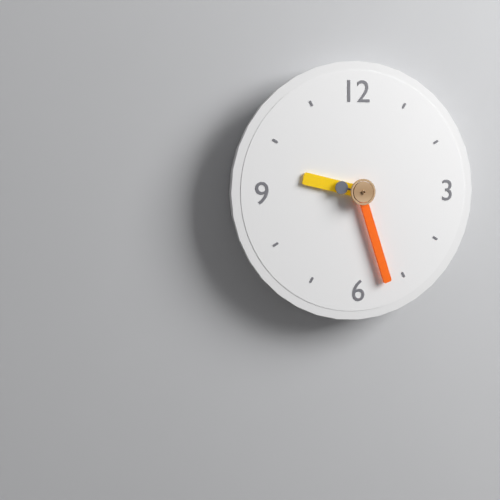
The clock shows 9:27
